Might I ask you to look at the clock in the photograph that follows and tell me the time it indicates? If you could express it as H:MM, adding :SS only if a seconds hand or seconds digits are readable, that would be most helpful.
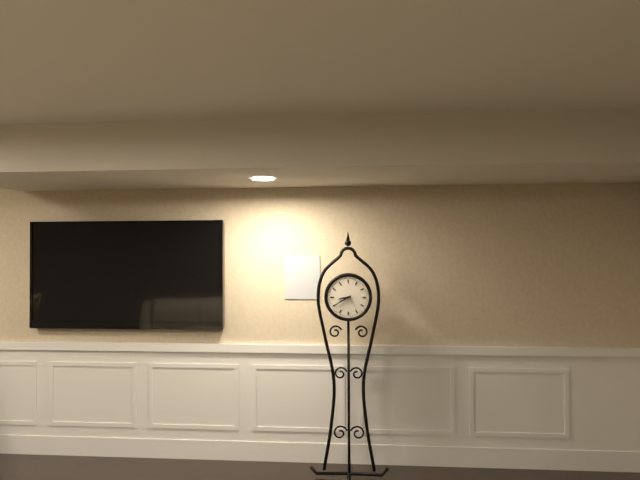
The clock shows 8:40
